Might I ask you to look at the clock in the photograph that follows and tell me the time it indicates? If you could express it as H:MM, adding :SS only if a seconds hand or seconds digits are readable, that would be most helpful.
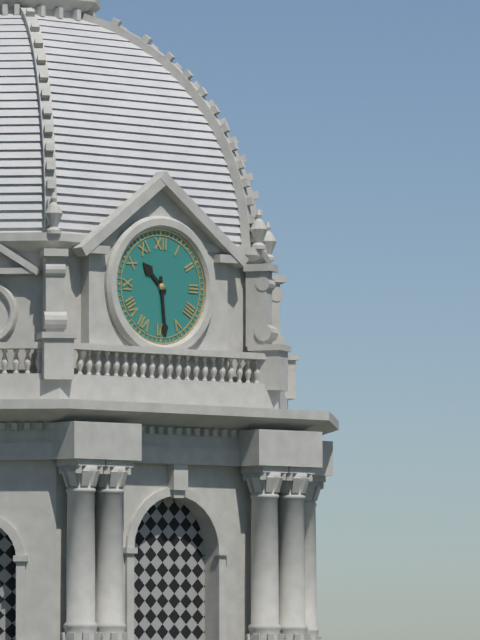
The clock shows 10:29
